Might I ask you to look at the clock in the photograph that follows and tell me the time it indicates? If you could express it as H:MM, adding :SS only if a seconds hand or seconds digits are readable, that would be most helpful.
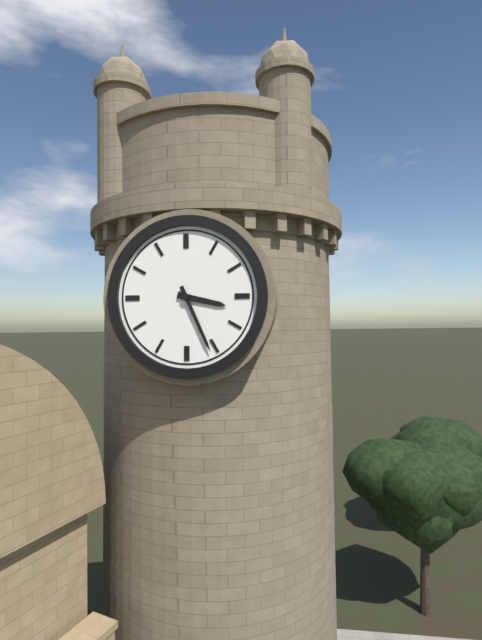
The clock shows 3:26
